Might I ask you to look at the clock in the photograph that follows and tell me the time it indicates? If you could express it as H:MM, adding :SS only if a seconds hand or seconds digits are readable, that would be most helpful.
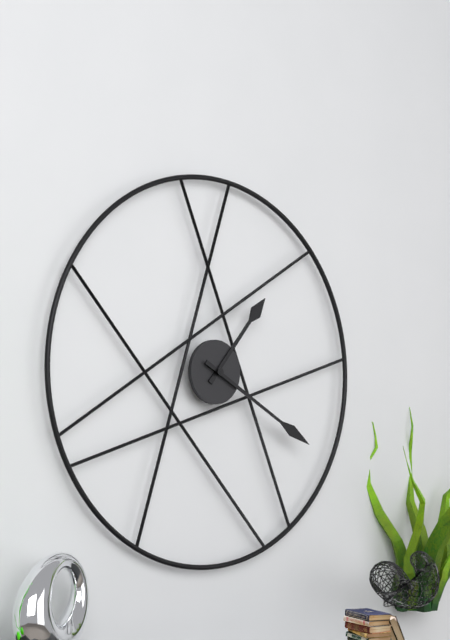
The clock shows 1:20
